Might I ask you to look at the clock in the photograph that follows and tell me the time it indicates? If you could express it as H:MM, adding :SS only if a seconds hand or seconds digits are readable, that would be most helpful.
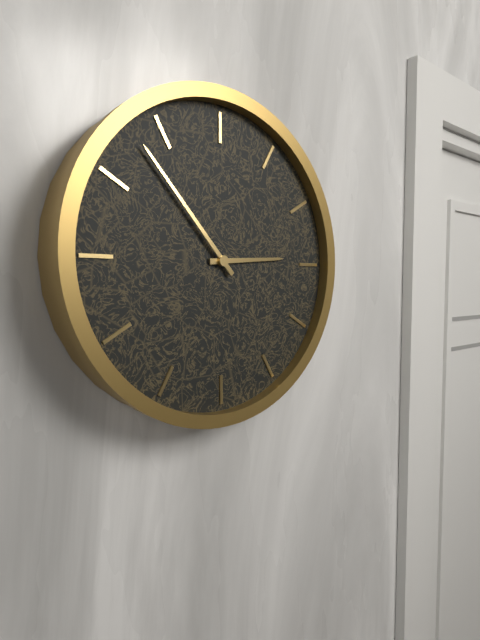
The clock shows 2:53
